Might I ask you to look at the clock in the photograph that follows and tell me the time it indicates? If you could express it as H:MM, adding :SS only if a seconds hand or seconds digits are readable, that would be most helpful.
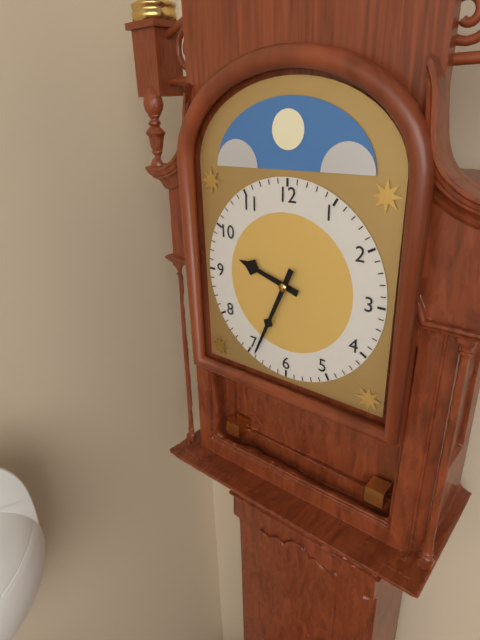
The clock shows 9:34
